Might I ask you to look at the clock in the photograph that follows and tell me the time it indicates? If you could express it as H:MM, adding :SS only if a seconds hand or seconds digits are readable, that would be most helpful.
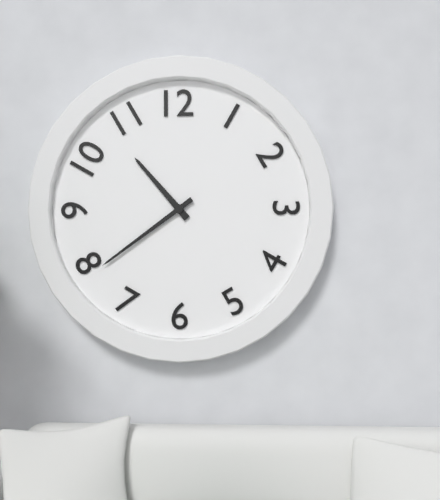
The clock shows 10:39
